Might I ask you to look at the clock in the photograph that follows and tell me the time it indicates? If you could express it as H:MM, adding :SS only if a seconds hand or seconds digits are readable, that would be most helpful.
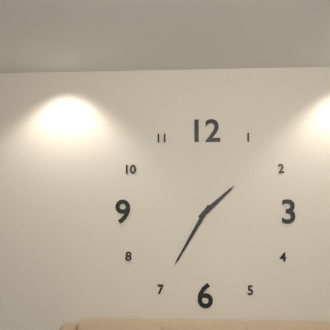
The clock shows 1:35
